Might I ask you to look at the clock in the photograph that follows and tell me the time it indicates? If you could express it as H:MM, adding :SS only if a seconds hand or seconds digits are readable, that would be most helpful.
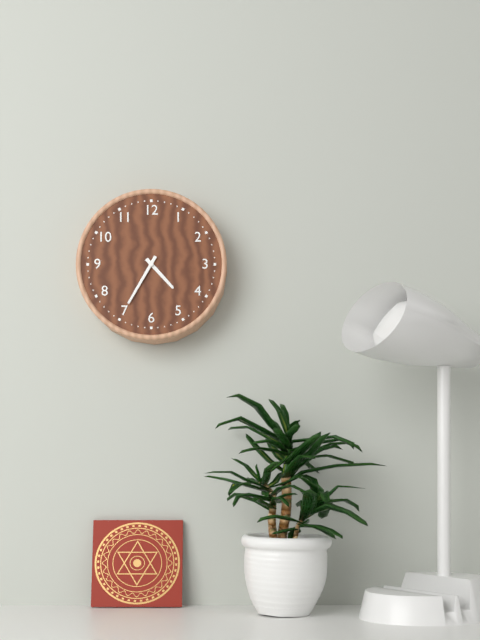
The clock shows 4:35
